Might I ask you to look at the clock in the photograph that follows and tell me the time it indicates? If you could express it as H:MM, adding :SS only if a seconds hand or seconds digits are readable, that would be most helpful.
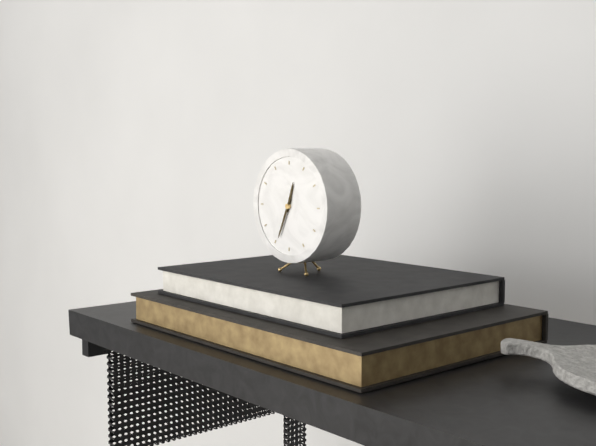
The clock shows 12:34
